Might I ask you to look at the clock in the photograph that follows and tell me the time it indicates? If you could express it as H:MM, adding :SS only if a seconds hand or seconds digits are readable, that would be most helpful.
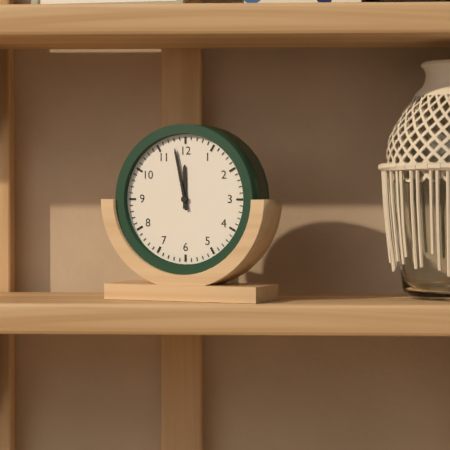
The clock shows 11:58
